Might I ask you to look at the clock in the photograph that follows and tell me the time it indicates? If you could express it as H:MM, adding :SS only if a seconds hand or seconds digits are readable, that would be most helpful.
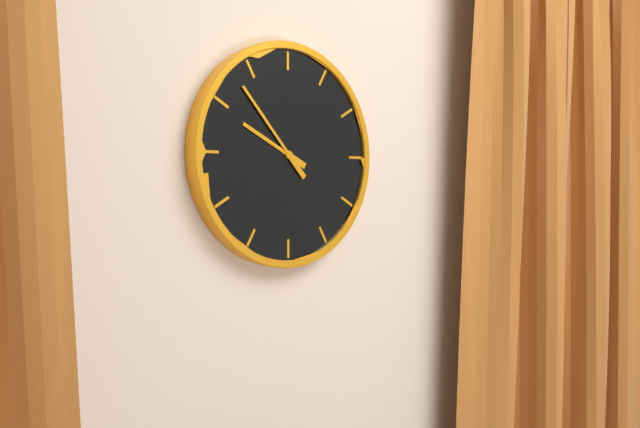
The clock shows 9:53
